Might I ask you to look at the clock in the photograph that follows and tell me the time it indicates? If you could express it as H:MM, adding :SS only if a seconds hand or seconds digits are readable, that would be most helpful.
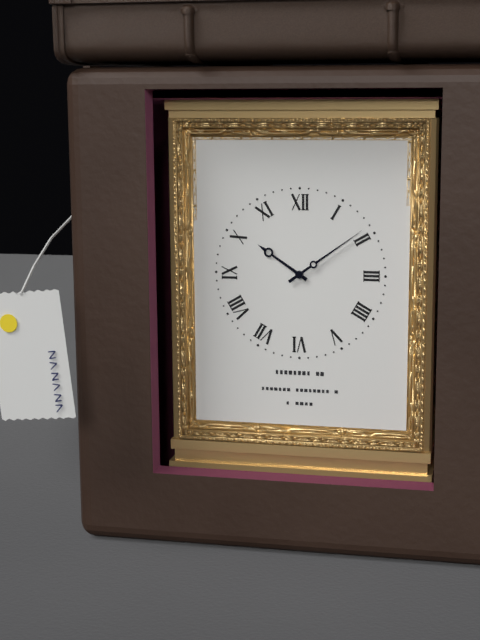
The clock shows 10:09
